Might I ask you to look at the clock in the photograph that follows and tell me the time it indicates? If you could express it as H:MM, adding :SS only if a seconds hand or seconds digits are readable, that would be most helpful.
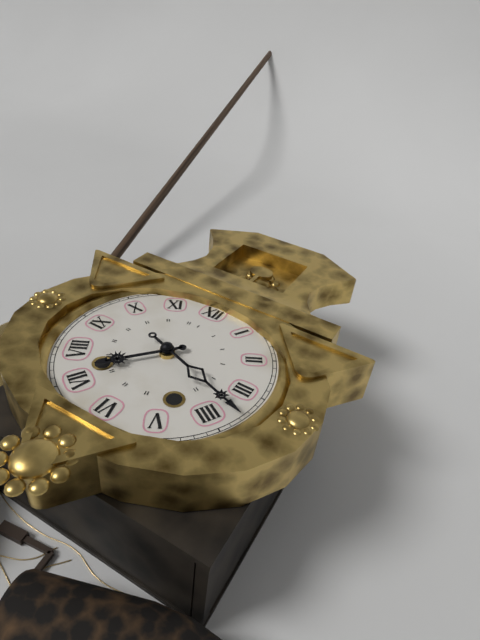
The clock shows 7:18
